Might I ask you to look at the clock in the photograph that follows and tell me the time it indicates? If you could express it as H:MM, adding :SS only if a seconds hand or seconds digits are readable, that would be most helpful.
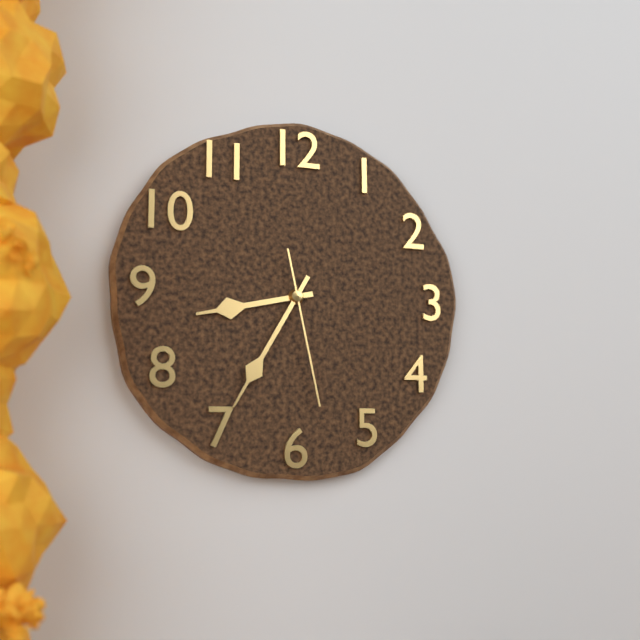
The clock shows 8:35:28
